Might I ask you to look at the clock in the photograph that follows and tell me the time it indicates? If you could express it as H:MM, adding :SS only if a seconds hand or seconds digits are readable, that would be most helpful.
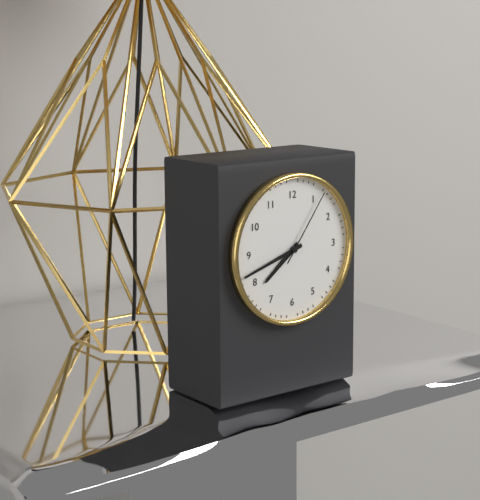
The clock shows 7:42:06
